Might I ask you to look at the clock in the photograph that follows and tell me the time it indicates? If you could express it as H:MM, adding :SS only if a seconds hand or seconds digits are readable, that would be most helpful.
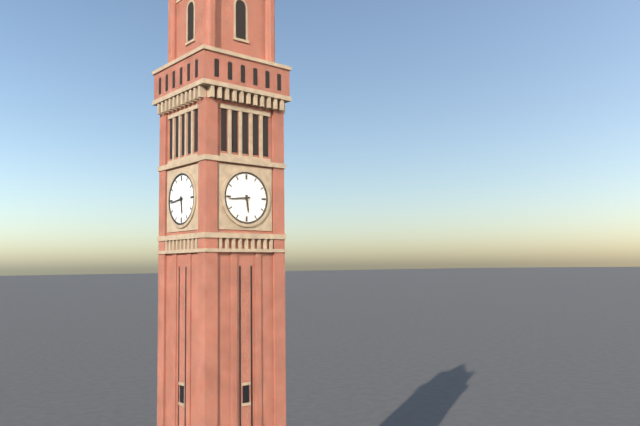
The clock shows 5:44
